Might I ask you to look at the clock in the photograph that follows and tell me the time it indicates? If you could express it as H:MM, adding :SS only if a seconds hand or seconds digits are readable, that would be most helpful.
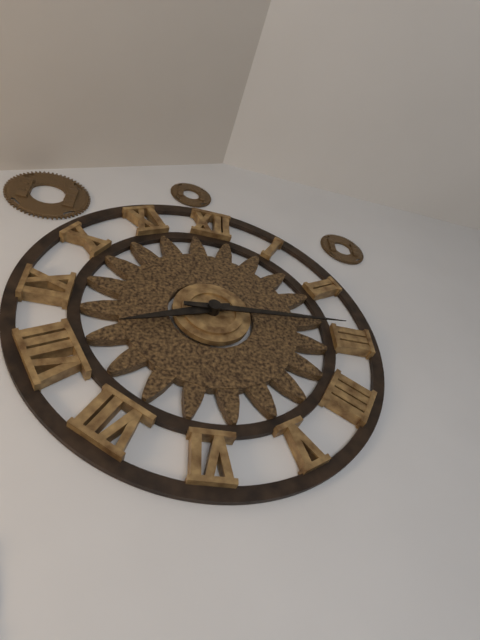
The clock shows 8:14
